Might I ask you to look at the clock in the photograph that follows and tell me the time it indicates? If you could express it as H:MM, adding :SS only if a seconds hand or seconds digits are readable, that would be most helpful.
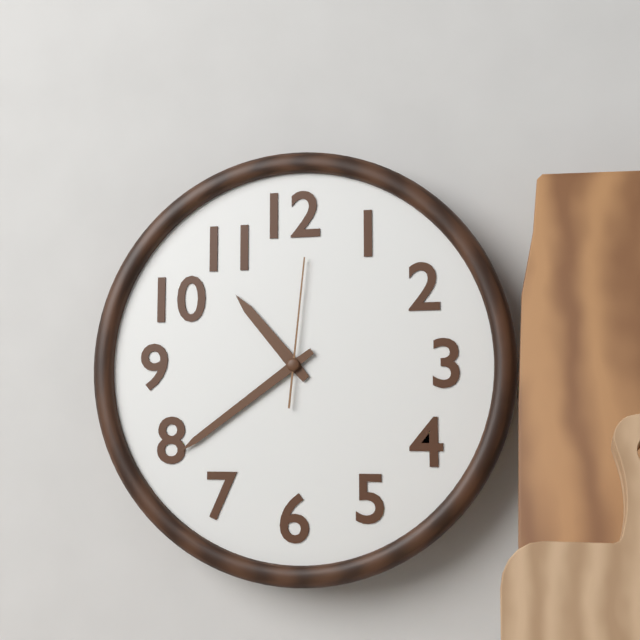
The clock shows 10:39:01
